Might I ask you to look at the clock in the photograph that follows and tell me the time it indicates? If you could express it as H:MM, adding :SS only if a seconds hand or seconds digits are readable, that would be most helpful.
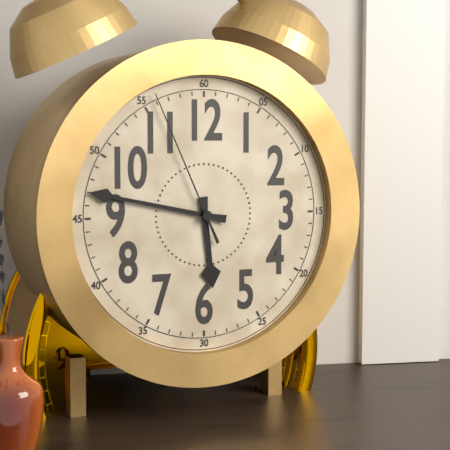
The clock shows 5:47:56
